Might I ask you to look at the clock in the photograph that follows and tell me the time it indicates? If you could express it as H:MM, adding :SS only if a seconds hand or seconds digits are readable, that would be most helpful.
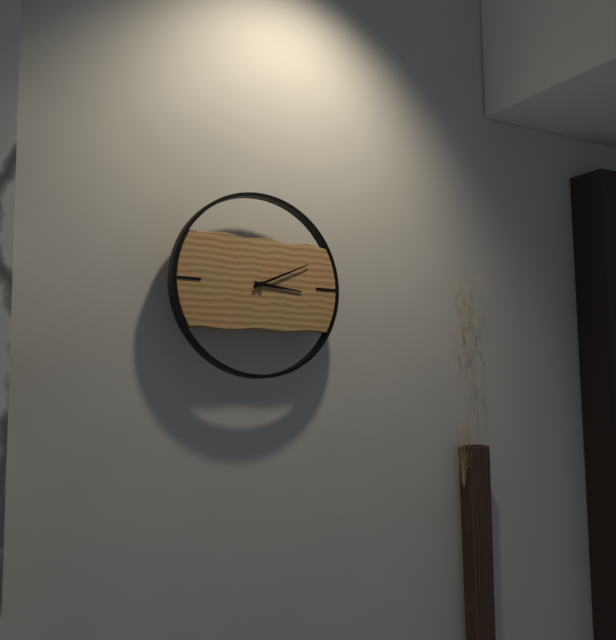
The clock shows 3:11
